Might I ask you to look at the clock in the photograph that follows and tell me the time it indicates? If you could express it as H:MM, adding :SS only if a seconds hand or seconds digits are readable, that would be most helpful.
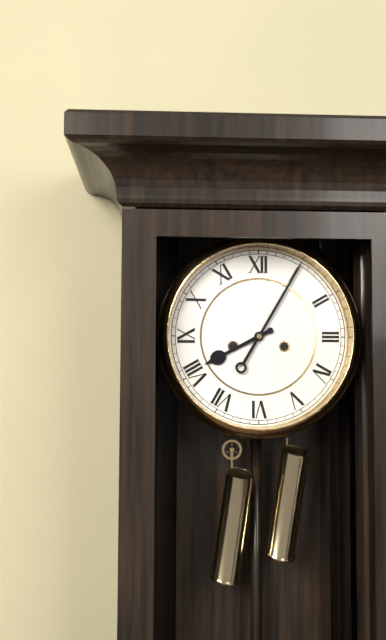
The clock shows 8:05
